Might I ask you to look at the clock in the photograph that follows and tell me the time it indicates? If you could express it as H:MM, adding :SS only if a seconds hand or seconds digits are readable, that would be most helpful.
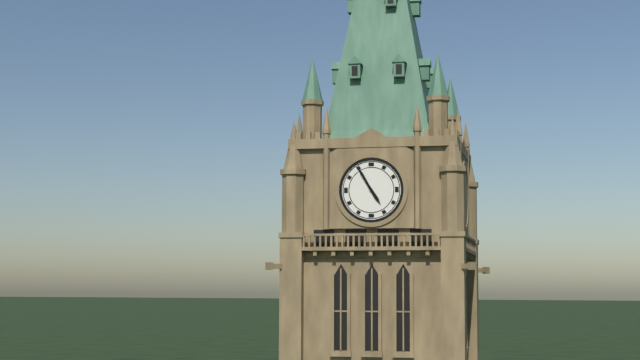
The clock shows 4:55
